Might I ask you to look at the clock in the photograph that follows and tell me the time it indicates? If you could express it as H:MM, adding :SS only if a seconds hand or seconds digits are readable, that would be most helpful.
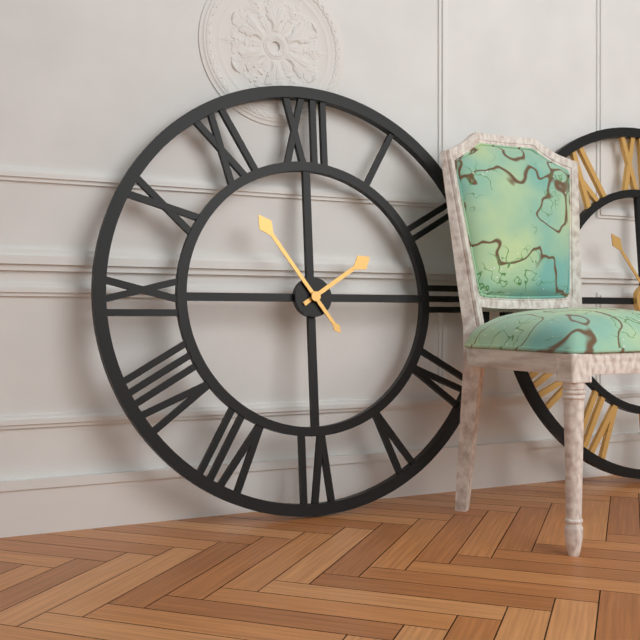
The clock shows 1:54
